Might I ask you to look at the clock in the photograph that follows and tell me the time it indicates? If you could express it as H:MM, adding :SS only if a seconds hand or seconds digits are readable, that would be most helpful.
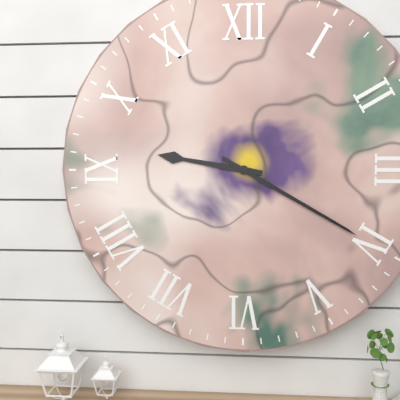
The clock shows 9:20
